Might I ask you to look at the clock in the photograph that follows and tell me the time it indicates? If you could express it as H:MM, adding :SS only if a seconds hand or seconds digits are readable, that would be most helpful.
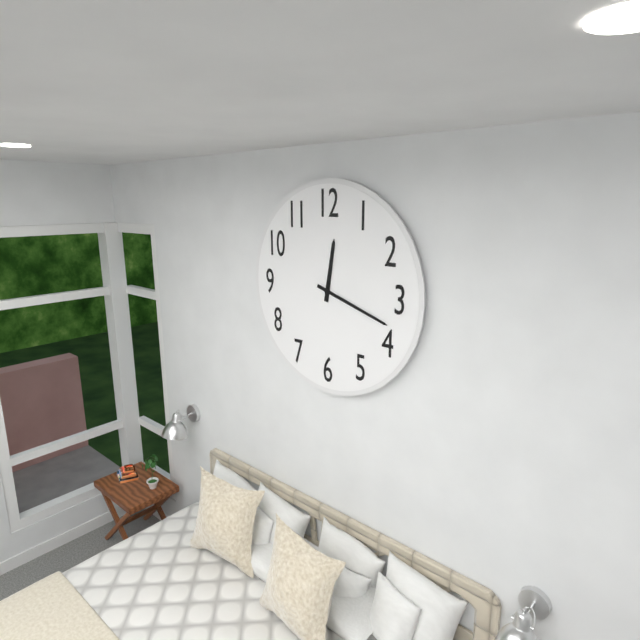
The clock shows 12:18
